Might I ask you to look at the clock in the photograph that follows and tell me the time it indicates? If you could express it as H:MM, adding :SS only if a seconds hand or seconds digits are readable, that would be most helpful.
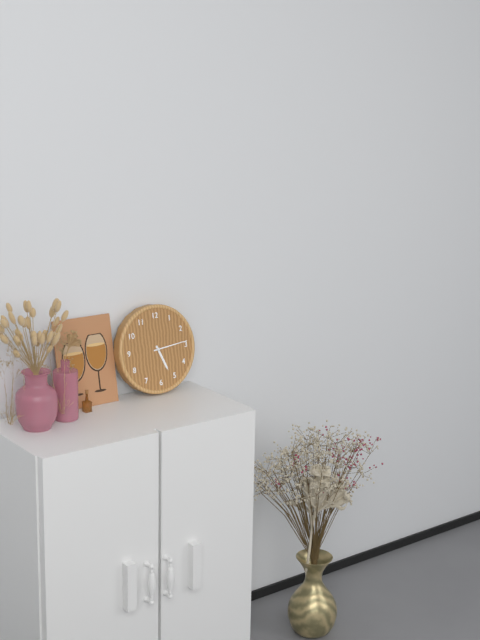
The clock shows 5:14
